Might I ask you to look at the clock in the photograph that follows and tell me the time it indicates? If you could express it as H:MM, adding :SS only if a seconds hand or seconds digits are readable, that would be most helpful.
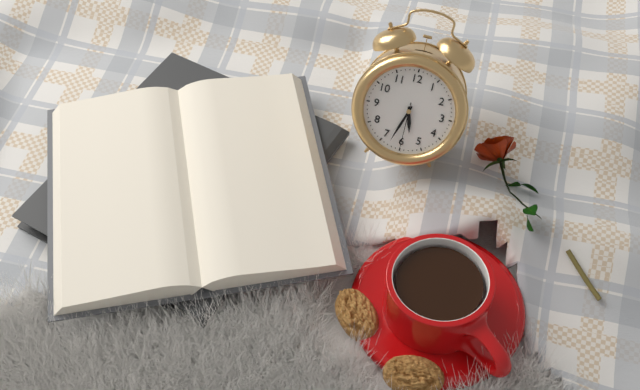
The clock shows 5:33
